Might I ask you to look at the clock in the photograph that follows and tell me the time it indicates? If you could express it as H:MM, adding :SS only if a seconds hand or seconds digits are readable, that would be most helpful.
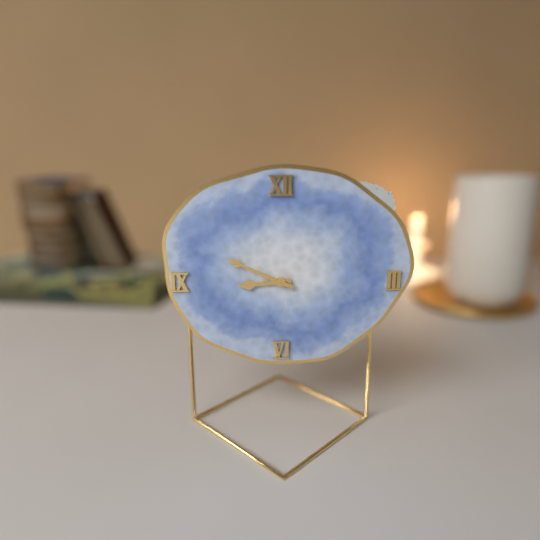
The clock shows 8:49
